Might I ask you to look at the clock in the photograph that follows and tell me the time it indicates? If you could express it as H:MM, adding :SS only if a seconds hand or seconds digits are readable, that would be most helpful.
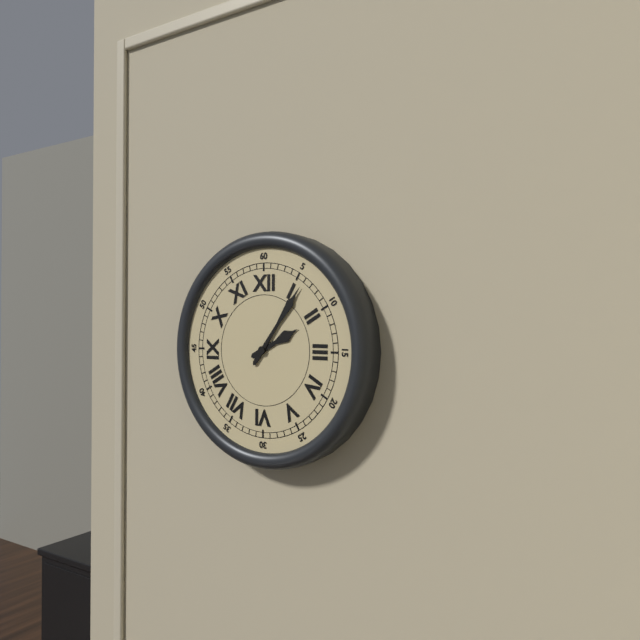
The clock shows 2:06
